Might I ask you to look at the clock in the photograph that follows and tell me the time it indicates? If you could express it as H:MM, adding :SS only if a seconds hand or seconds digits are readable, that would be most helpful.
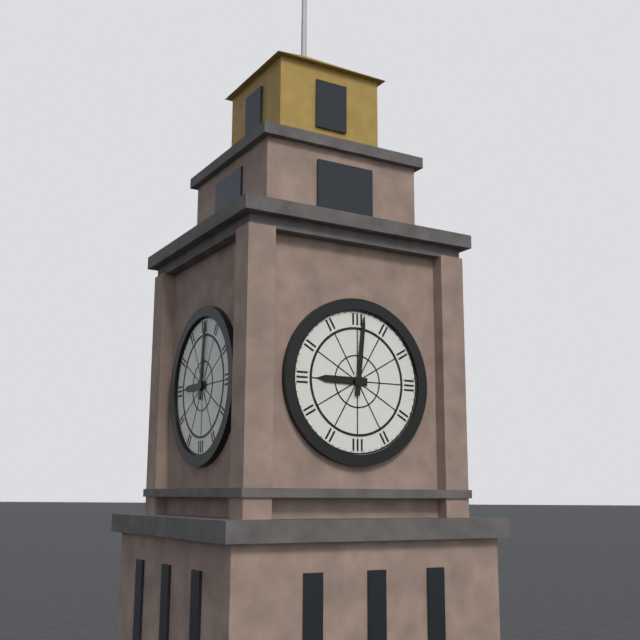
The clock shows 9:01
